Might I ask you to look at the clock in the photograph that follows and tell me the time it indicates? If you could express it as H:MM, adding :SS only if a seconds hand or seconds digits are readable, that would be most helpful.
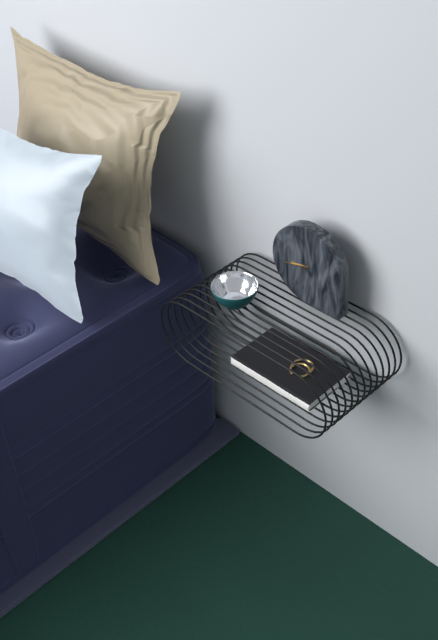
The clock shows 8:43
